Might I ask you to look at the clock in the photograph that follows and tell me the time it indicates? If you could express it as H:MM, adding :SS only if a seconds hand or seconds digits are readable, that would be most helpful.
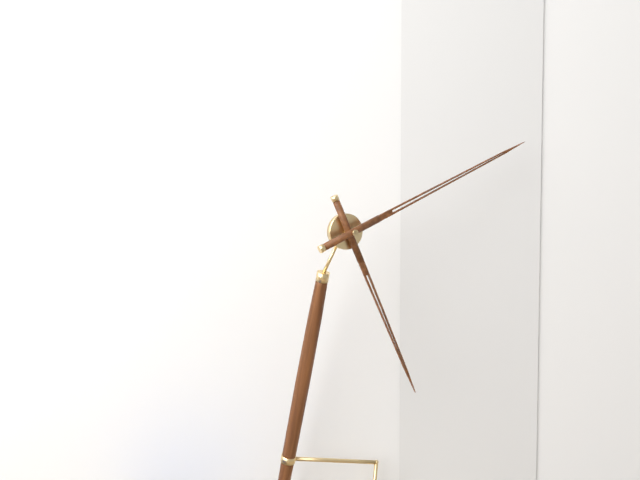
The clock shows 5:11
